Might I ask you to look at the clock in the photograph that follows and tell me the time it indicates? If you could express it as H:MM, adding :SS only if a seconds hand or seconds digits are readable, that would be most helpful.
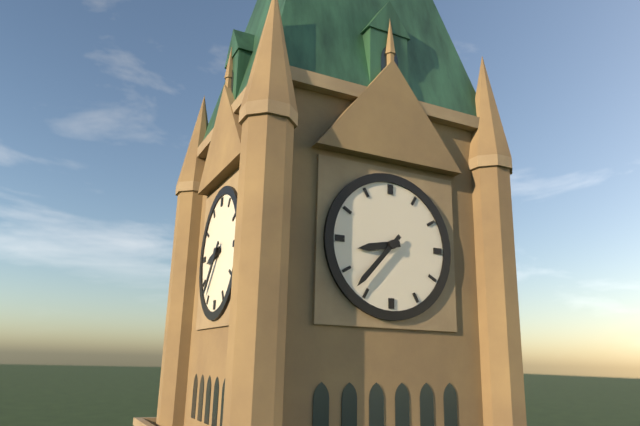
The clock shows 8:37
